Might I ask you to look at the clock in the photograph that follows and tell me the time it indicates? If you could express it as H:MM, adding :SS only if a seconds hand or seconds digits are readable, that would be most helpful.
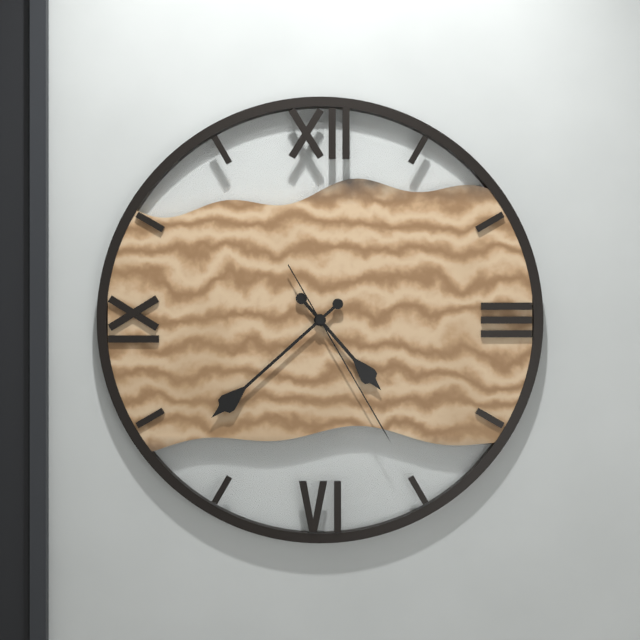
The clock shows 4:38:25
